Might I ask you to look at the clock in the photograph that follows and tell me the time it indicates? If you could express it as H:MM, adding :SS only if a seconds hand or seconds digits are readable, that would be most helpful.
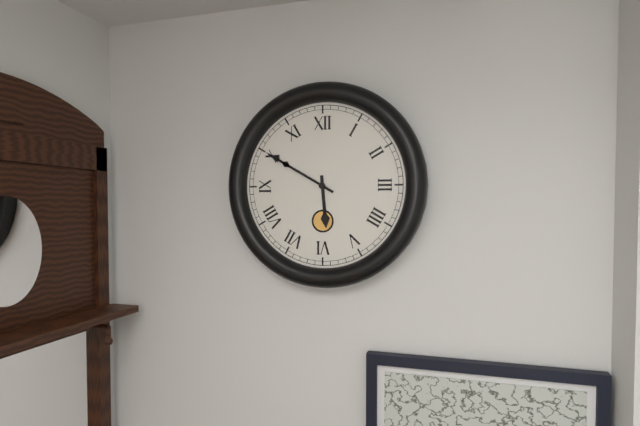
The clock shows 5:50
